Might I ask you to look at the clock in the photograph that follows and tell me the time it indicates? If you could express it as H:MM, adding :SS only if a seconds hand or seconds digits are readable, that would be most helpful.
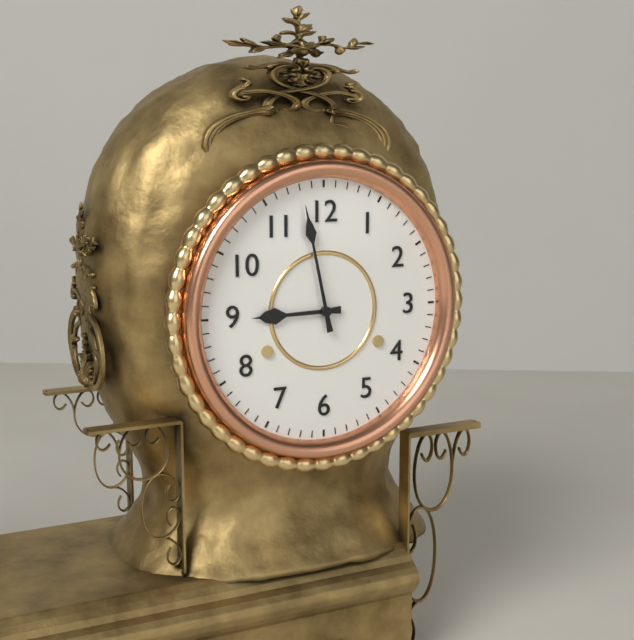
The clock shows 8:58
